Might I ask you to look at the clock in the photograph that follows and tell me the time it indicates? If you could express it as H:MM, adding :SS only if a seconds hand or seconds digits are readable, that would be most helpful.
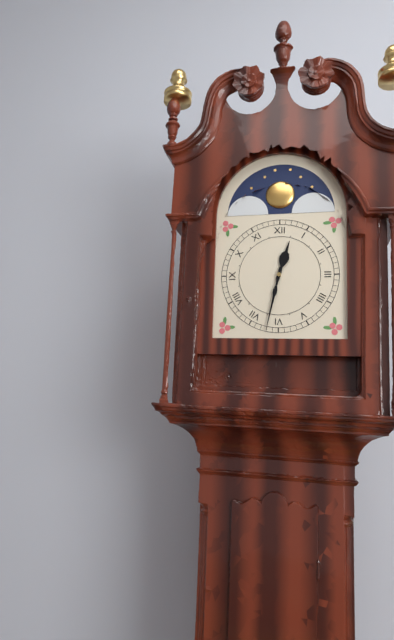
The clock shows 12:32
